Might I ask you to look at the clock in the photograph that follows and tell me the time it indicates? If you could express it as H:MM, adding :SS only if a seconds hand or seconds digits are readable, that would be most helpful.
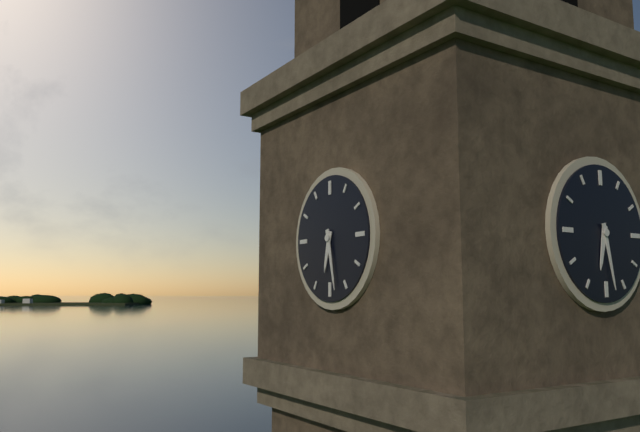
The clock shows 6:28
